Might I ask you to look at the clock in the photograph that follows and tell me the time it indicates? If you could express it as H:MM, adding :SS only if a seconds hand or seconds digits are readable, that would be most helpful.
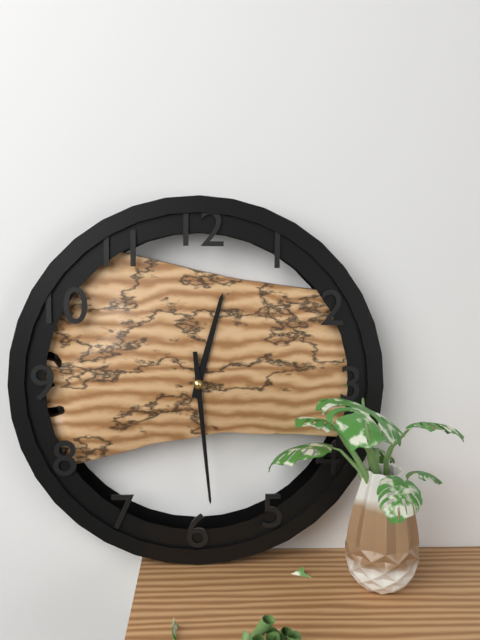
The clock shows 12:29
